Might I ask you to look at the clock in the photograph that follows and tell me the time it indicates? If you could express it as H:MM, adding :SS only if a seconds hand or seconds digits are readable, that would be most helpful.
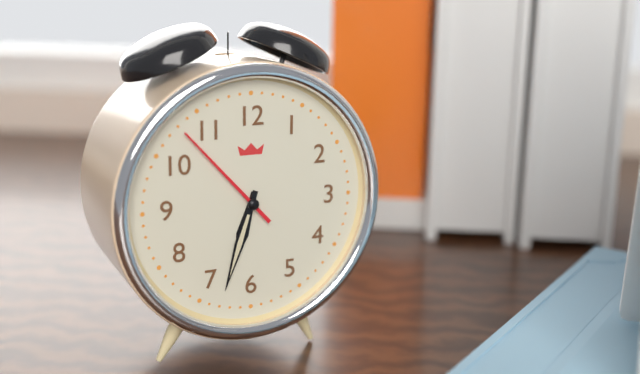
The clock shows 6:33:53
